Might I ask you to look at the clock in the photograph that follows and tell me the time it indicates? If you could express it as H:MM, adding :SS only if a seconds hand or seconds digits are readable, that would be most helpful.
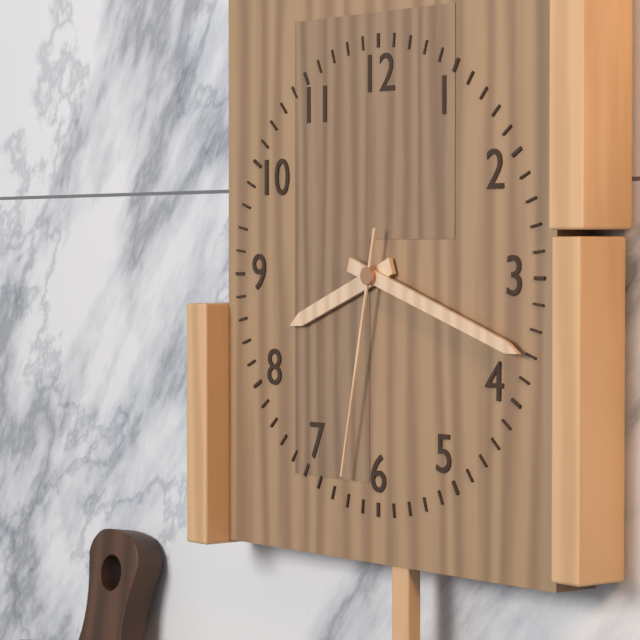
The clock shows 8:18:32
